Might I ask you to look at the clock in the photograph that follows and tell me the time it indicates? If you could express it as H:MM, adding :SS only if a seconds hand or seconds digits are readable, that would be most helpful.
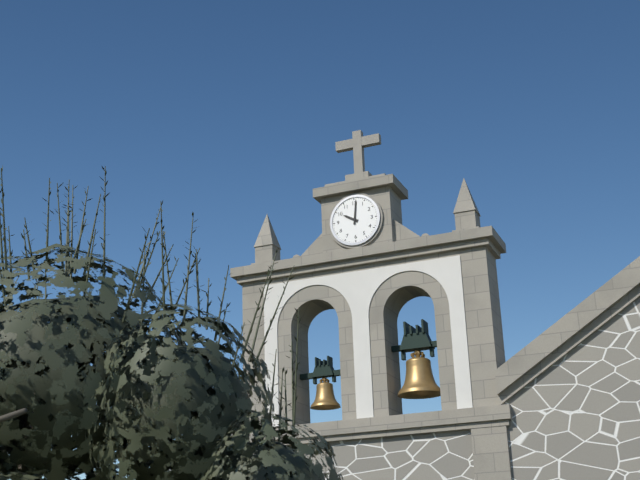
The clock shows 10:01
